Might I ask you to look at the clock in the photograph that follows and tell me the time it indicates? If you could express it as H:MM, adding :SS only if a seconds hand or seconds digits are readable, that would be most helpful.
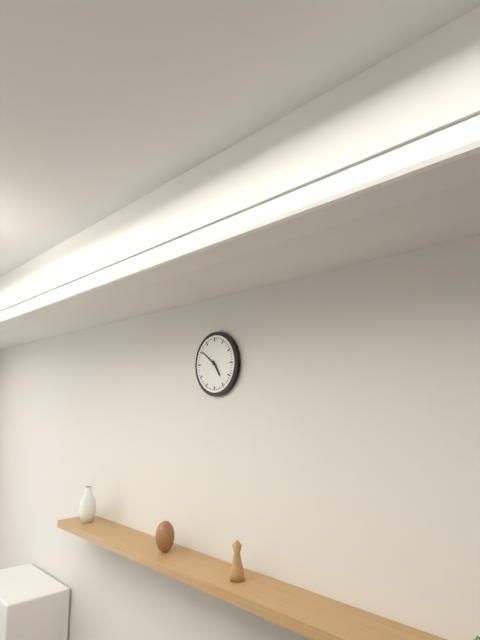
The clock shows 4:51
